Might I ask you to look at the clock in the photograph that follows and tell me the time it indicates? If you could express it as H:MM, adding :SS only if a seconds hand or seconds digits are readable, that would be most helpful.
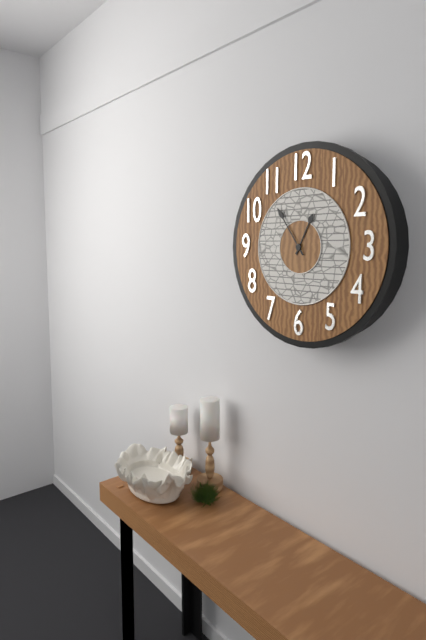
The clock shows 12:54
